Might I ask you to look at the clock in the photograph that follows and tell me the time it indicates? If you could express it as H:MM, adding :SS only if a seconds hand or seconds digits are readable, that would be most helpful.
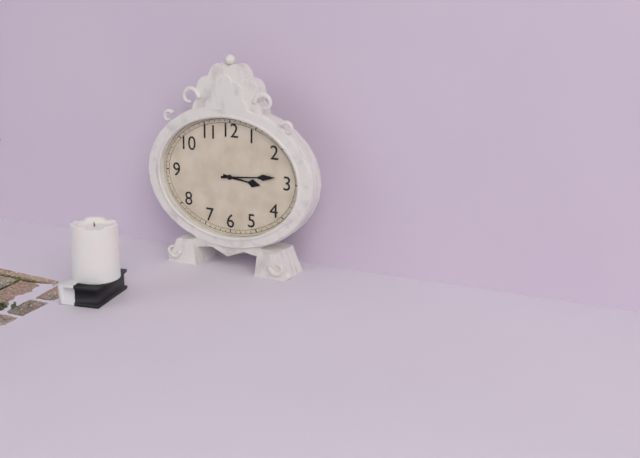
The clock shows 3:14
